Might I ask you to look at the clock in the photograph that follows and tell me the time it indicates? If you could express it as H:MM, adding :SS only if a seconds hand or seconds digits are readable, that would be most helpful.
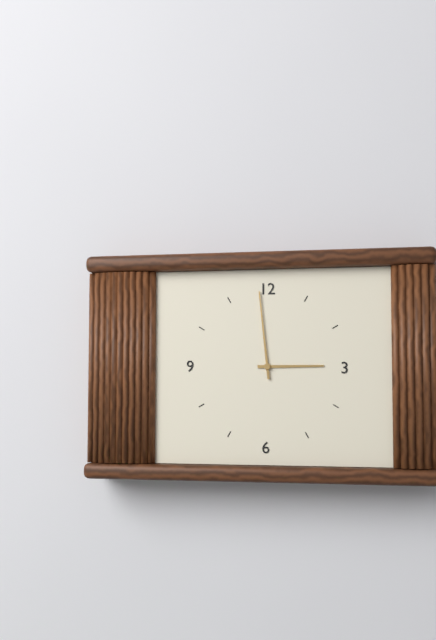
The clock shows 2:59
